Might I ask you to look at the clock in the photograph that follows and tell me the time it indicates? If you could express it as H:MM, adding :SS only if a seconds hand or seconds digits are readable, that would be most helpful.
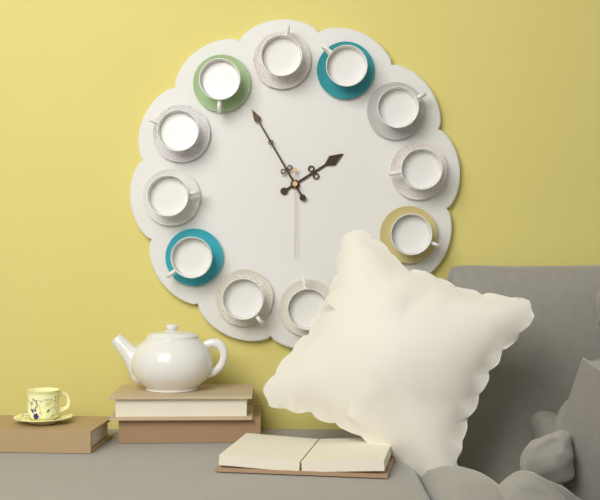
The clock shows 1:55:30
